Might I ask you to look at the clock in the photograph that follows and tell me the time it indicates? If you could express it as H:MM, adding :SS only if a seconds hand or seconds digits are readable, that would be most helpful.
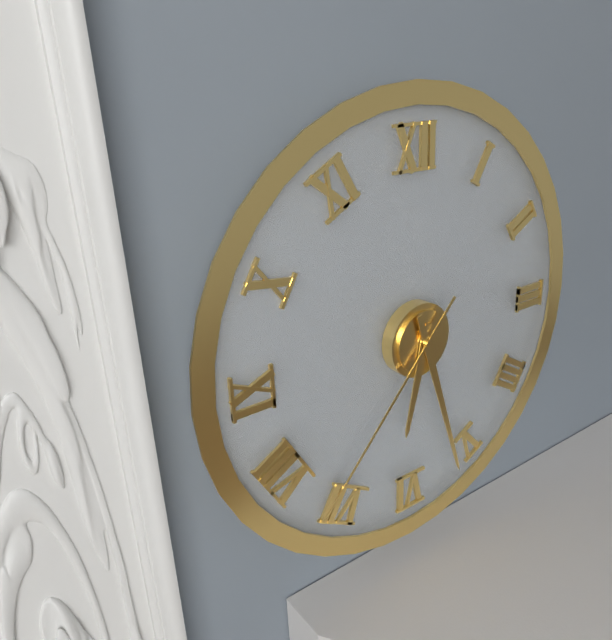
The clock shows 6:27:37
